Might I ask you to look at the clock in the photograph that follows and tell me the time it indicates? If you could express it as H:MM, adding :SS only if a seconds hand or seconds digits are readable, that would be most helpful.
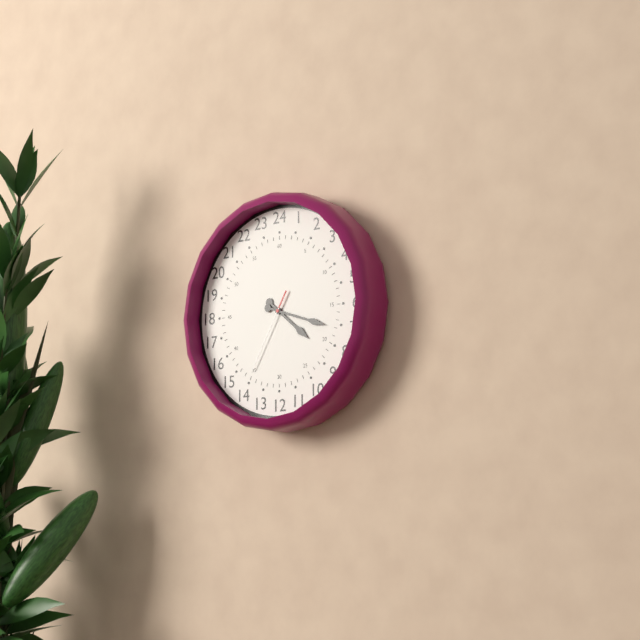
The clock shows 4:18:35
